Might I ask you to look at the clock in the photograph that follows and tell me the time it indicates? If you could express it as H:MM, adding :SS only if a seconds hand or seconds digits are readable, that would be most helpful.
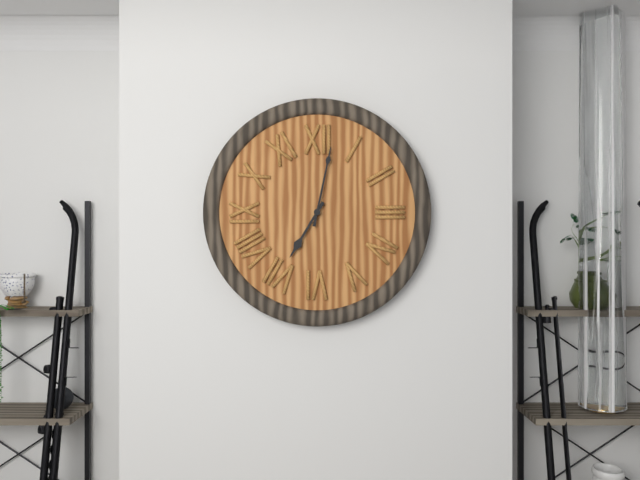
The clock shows 7:02
